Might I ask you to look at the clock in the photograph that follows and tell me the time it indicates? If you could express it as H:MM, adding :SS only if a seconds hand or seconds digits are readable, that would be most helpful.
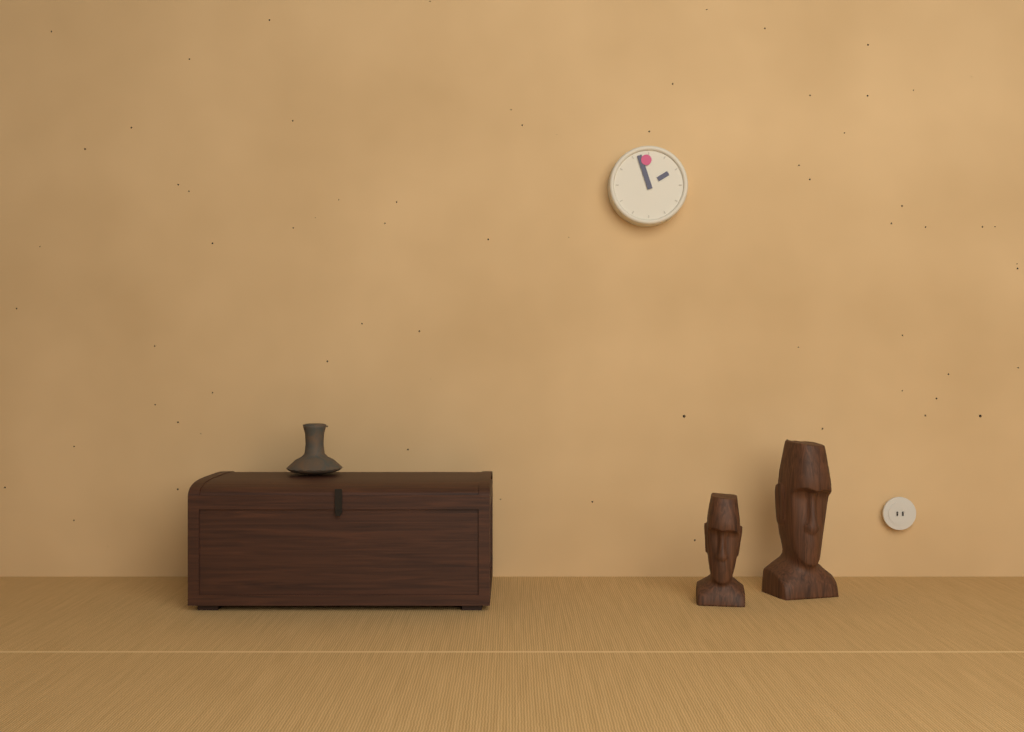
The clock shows 1:57
